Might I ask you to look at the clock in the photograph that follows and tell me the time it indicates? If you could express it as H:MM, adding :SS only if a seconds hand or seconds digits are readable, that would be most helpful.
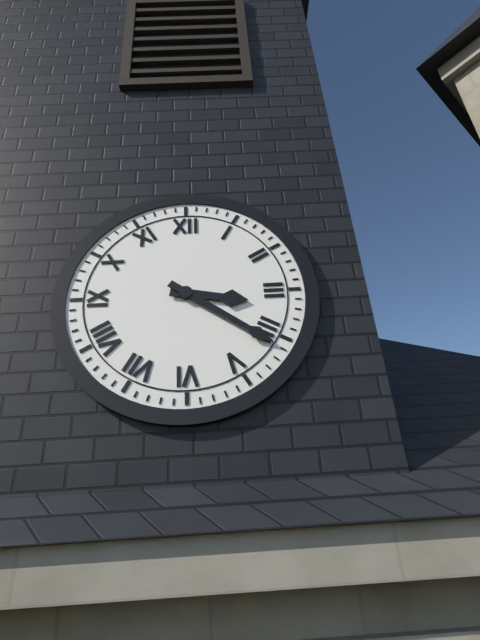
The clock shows 3:21
